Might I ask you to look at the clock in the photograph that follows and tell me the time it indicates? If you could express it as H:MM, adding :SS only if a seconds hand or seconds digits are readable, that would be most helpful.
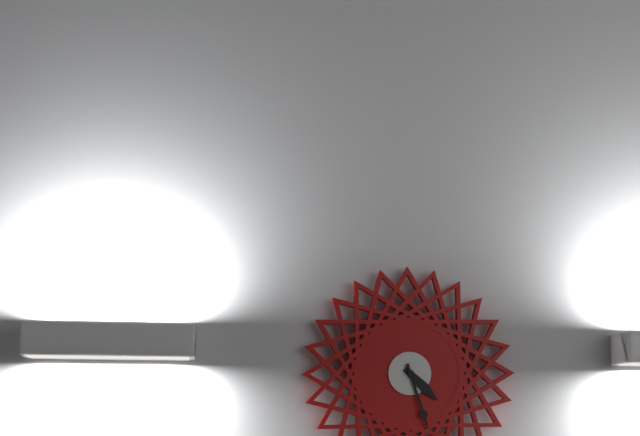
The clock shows 4:27
